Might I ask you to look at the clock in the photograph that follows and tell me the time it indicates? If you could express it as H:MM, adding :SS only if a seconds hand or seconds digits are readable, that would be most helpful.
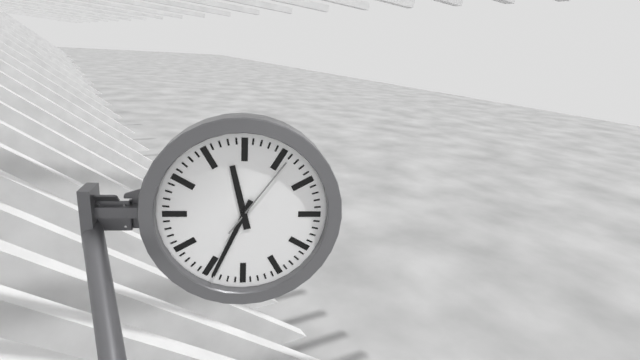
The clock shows 11:34:06
